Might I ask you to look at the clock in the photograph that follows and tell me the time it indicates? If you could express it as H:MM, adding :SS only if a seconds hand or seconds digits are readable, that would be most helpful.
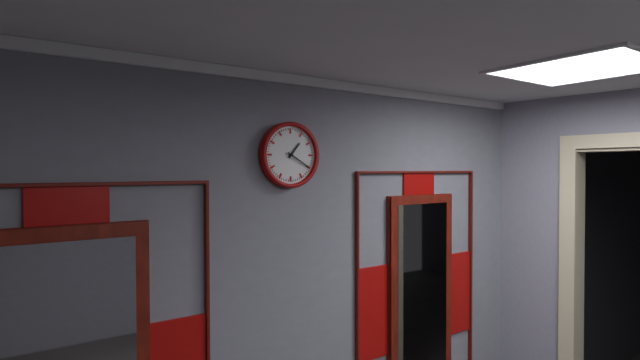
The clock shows 1:20
